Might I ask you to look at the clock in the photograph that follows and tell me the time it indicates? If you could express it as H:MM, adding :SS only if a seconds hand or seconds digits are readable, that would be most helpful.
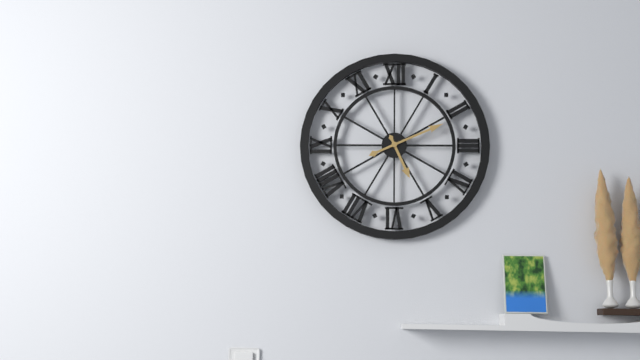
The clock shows 5:11
